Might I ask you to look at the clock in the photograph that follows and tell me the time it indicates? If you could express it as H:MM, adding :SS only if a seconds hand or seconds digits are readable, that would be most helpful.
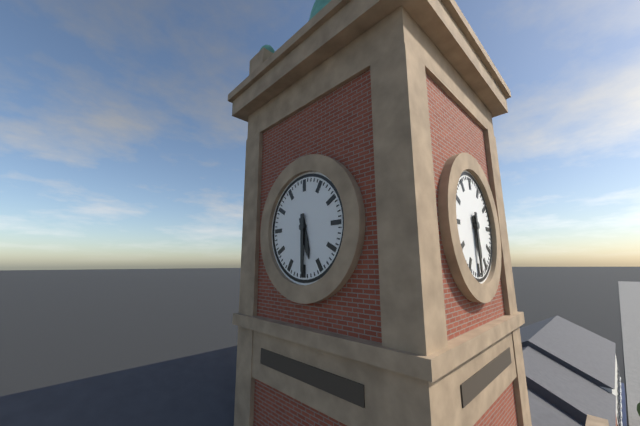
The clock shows 5:30
